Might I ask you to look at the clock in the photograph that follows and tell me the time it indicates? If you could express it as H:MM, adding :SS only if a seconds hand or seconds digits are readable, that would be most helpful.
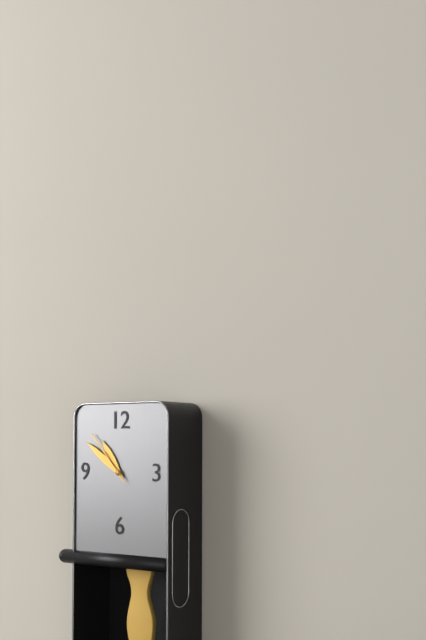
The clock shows 10:51:53
